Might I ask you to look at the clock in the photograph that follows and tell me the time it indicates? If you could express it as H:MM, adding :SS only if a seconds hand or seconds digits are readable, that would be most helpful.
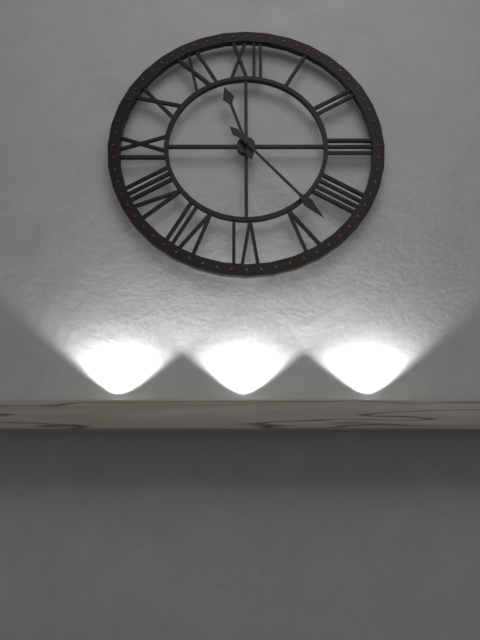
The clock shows 11:23
